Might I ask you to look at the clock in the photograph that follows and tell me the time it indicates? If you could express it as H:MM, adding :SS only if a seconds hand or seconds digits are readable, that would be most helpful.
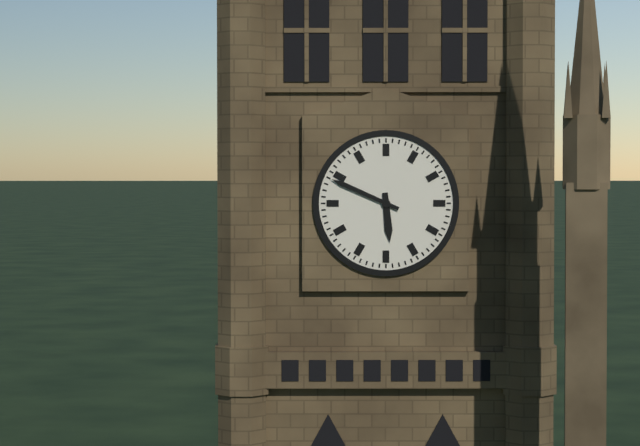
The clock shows 5:49
